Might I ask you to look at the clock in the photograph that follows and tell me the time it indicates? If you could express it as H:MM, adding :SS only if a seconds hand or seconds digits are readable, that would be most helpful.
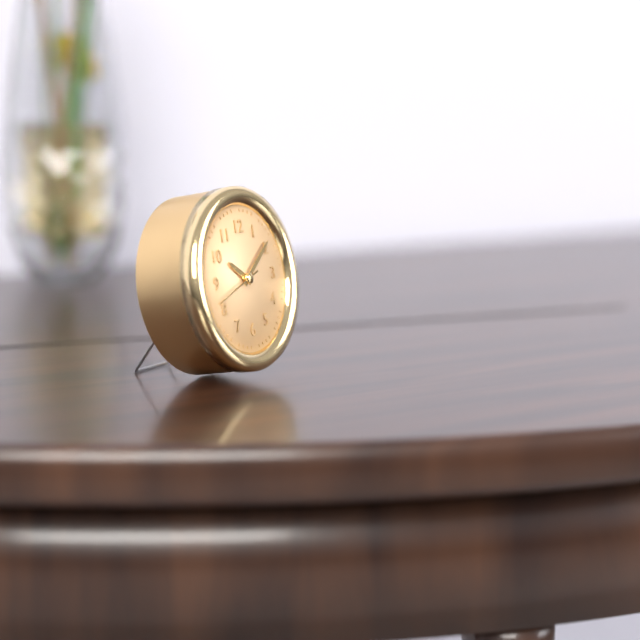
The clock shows 10:09:42
